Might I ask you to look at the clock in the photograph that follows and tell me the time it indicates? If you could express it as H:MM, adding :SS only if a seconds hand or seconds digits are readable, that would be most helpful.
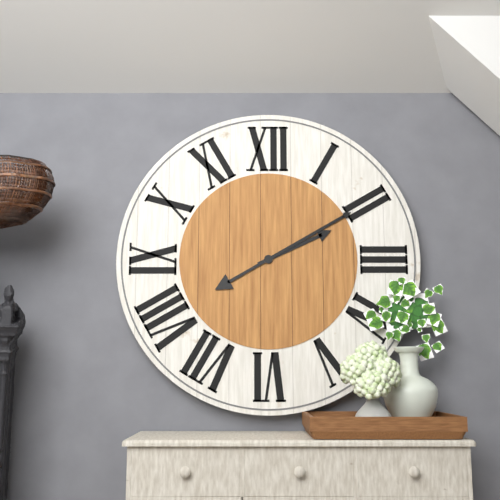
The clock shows 2:10
